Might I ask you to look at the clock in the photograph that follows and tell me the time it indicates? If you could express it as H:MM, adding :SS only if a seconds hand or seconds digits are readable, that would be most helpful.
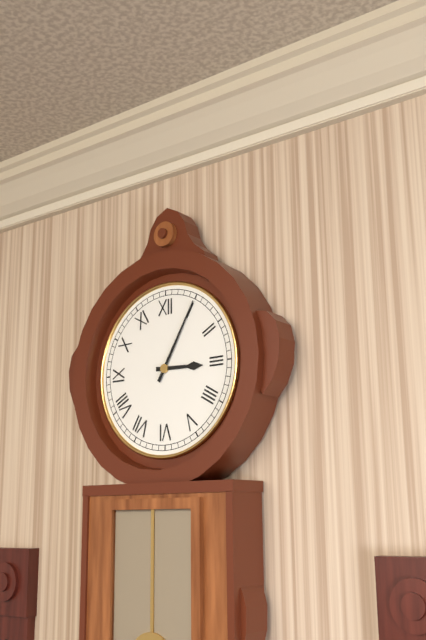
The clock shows 3:05
